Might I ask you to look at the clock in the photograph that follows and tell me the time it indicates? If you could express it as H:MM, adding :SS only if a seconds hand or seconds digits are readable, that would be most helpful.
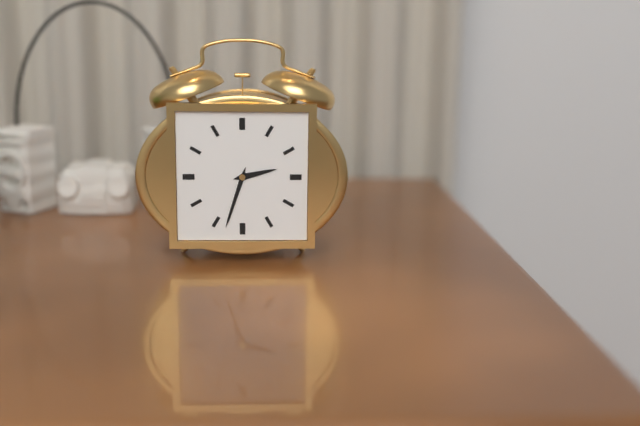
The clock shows 2:33
